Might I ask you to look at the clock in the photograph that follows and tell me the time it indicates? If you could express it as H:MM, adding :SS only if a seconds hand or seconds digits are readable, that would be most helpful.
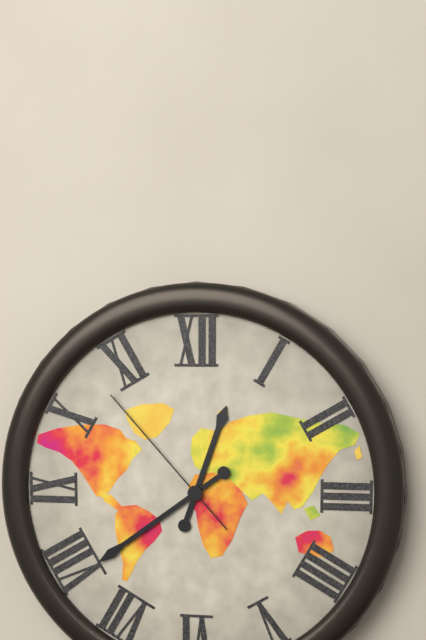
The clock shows 12:39:53
